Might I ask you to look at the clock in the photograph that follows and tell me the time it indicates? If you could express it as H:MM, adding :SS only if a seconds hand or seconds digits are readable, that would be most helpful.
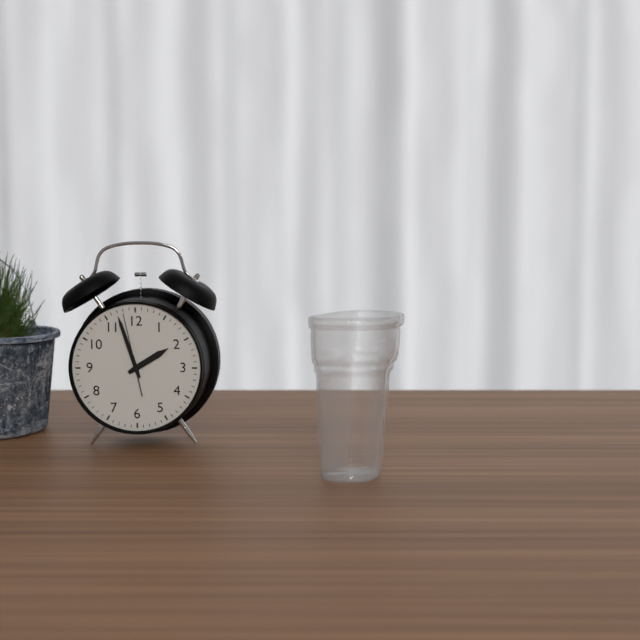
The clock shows 1:57:58
